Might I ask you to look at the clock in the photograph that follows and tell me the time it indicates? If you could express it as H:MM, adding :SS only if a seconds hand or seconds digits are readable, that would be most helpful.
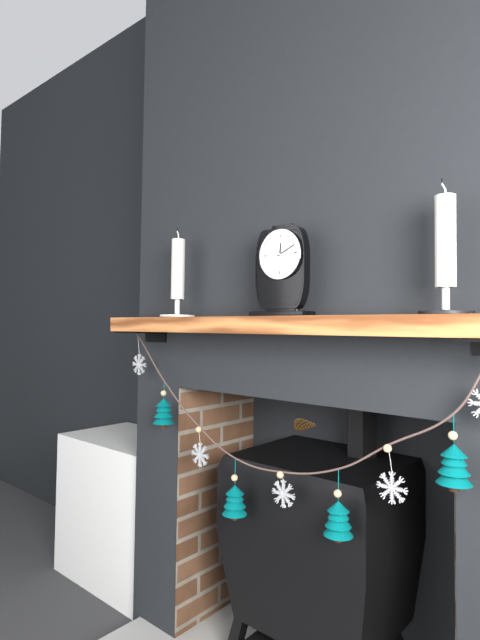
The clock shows 12:11
